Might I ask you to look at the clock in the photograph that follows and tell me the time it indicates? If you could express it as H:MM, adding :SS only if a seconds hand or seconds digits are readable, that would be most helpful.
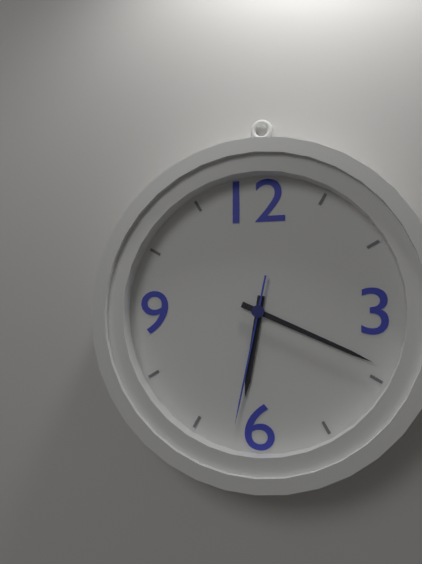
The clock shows 6:19:32
